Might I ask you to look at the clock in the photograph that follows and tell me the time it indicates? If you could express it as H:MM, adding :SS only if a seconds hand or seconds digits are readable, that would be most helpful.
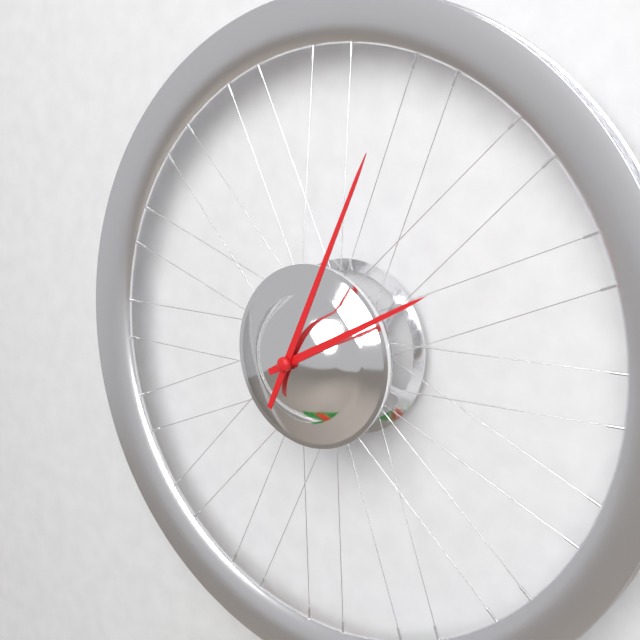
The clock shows 2:04
